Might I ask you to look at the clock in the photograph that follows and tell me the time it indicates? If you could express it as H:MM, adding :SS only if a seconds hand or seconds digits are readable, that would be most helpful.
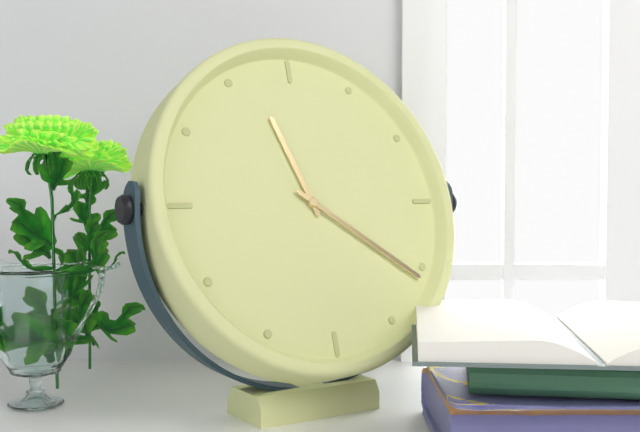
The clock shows 11:21
